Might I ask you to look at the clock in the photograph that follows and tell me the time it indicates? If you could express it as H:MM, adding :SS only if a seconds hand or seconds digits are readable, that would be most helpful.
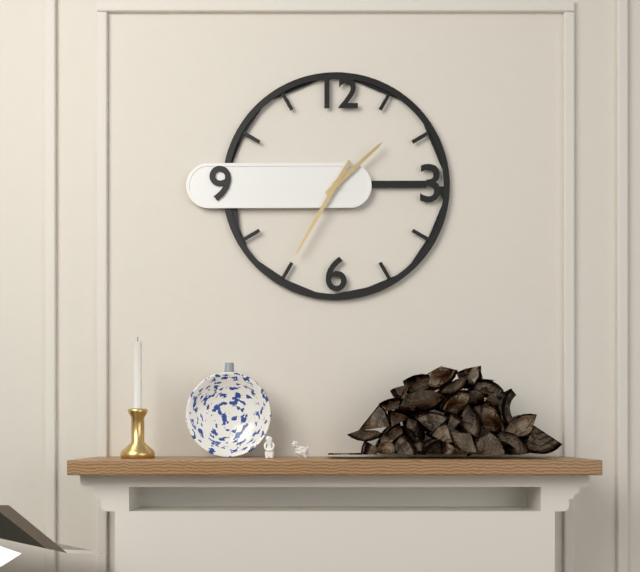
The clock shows 1:35
